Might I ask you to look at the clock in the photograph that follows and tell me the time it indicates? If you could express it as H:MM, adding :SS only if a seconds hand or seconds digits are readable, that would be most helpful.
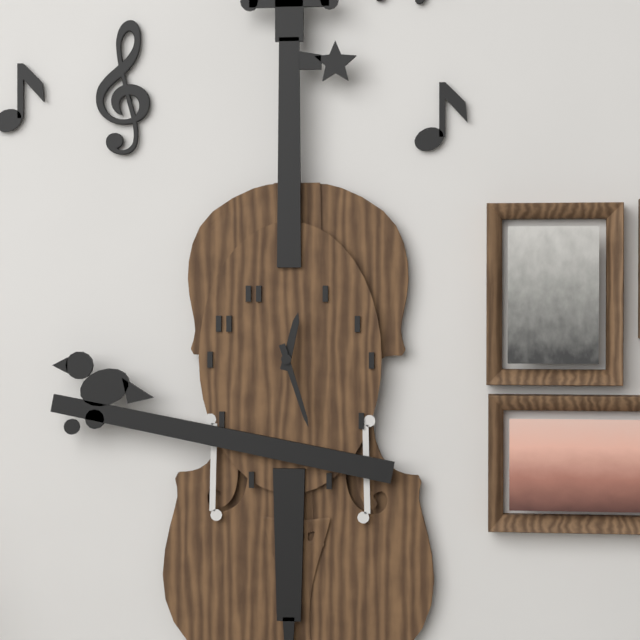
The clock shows 12:27
